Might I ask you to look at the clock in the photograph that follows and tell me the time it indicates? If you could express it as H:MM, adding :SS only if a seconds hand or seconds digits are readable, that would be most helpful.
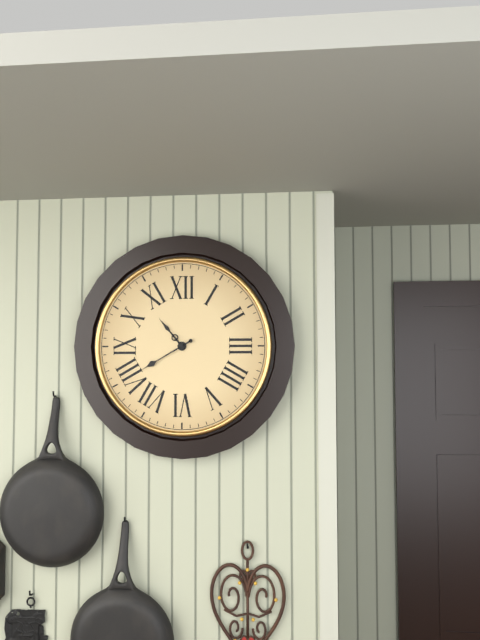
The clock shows 10:40
